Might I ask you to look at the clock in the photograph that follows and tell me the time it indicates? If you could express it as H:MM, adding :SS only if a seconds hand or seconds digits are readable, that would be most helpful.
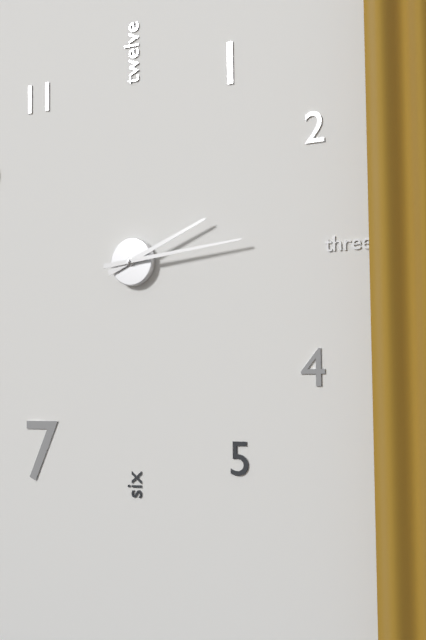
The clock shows 2:14
